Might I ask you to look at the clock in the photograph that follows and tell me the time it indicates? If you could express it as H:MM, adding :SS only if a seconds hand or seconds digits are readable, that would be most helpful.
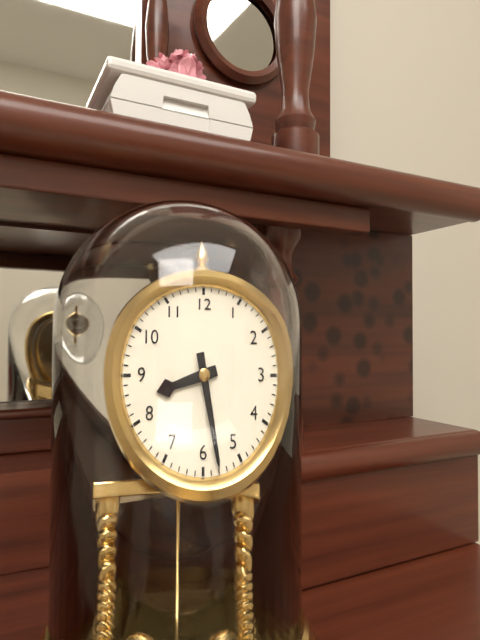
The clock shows 8:28
